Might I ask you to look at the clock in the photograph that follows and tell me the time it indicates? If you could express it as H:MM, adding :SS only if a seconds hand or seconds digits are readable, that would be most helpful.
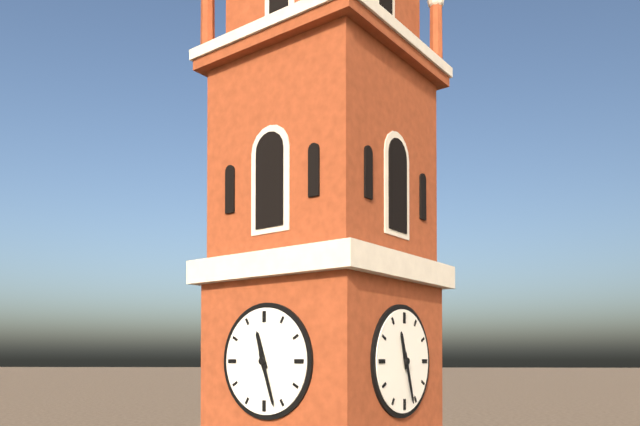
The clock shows 11:27
